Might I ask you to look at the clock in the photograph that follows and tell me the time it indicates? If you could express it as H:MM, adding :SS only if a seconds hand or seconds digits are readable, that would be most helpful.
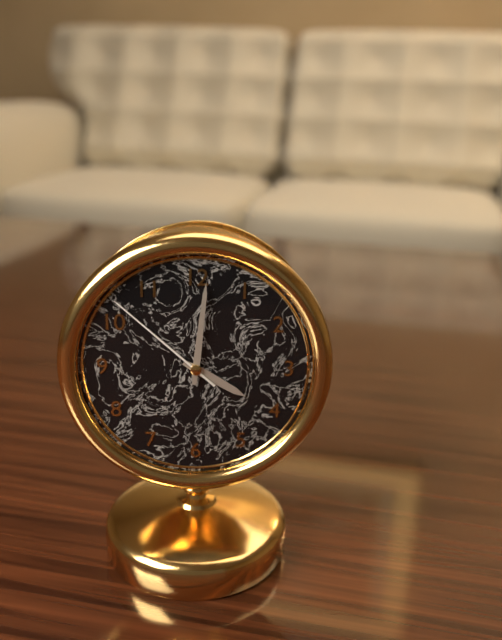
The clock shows 4:01:52
